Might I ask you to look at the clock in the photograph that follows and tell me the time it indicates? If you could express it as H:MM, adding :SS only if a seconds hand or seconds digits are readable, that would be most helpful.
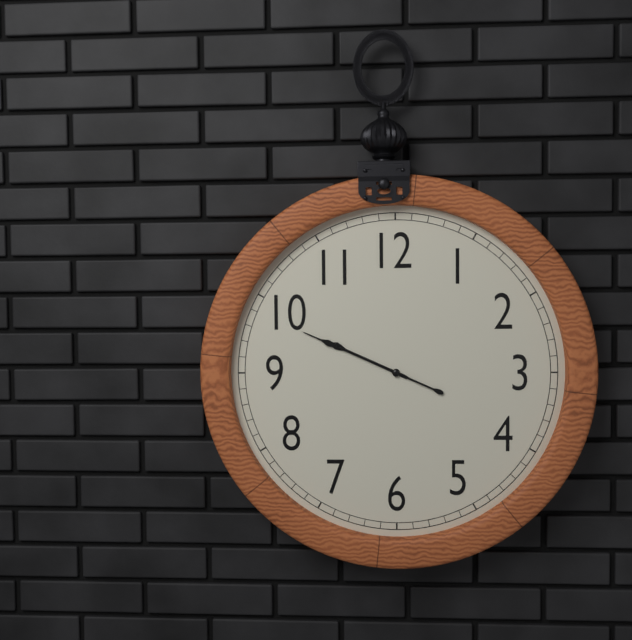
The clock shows 9:49
